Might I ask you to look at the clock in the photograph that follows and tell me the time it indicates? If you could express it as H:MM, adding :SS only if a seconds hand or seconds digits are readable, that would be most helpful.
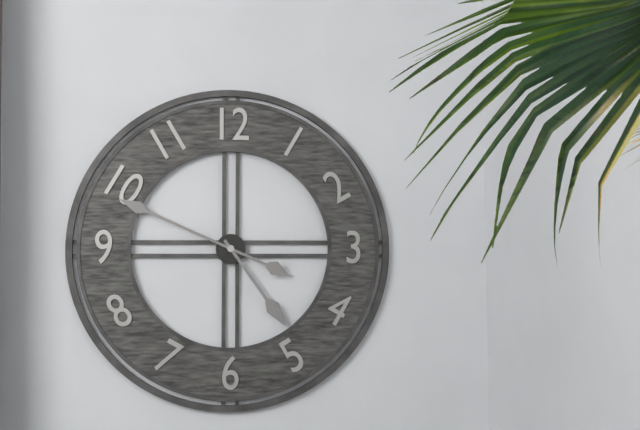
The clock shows 4:49
